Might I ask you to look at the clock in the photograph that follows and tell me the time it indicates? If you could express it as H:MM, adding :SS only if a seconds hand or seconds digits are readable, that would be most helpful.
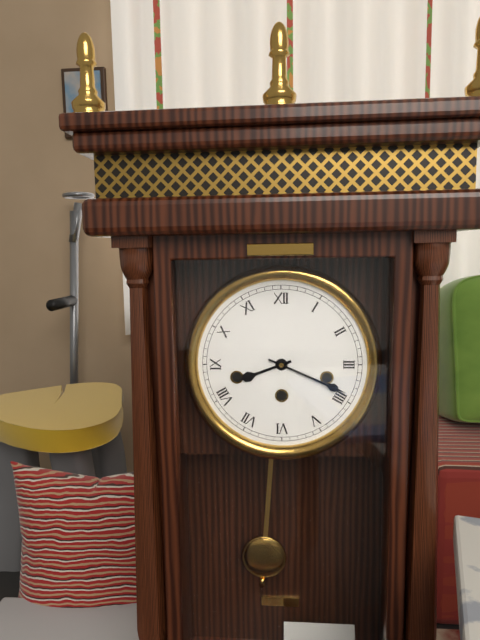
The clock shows 8:19
